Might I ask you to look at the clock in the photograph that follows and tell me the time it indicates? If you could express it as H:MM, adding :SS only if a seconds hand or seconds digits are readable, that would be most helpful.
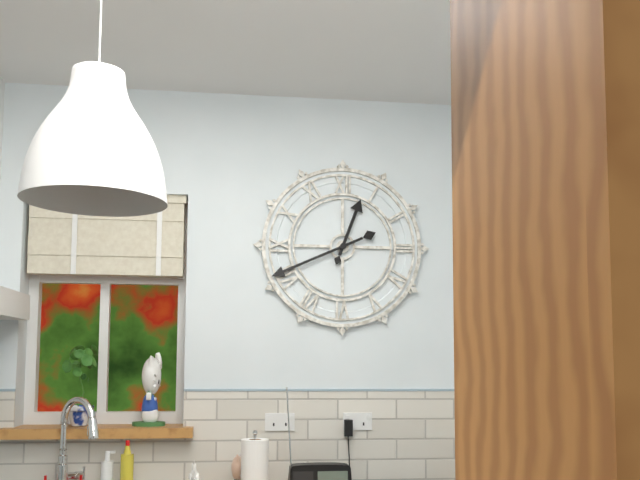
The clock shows 12:41
